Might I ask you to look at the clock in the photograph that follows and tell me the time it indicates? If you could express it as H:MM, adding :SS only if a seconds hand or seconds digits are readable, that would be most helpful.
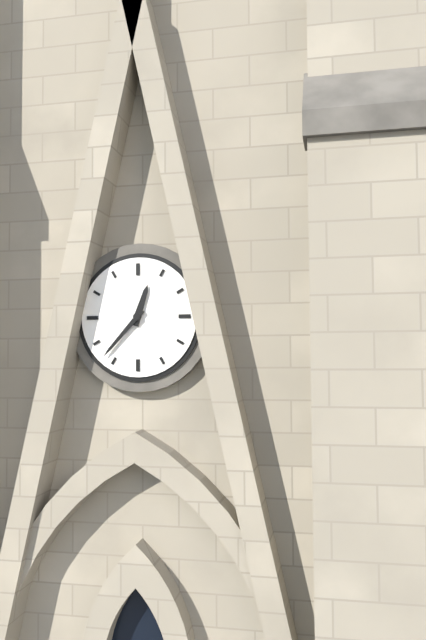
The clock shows 12:37
